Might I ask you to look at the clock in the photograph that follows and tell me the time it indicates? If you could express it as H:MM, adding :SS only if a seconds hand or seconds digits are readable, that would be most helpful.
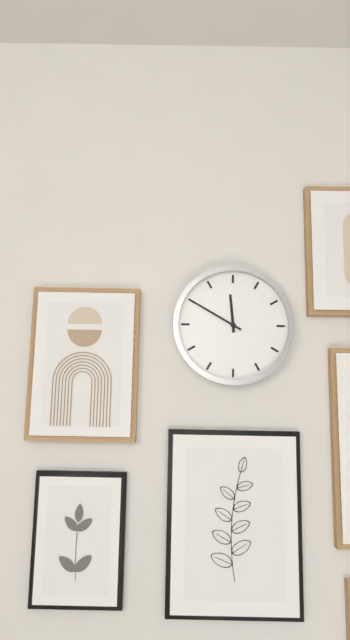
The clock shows 11:50
